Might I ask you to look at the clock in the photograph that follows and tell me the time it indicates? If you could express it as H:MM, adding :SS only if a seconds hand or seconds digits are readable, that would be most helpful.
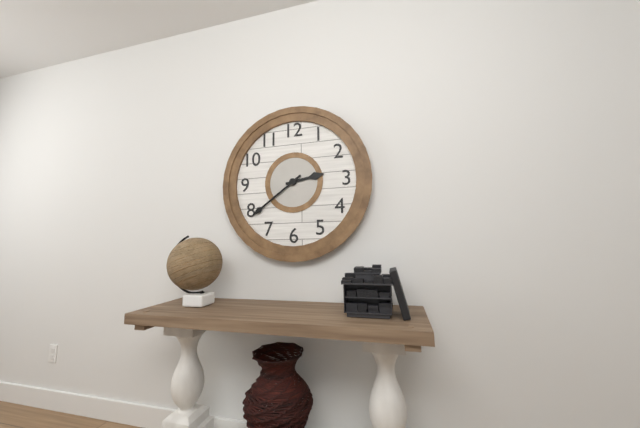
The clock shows 2:39
